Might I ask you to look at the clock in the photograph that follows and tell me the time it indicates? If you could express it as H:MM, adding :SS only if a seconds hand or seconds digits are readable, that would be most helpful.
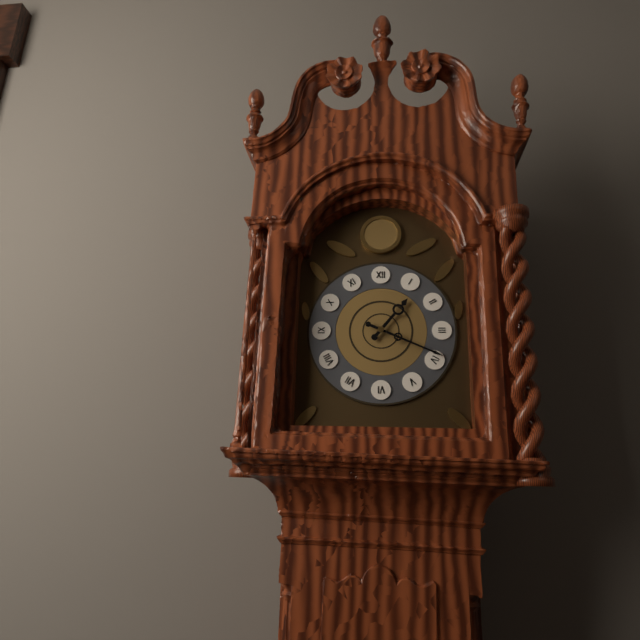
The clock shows 1:19
